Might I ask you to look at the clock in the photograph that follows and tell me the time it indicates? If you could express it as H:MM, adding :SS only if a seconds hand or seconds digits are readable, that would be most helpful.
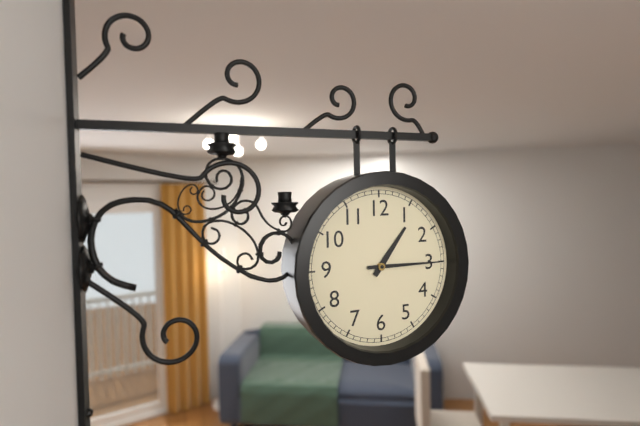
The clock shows 1:15
